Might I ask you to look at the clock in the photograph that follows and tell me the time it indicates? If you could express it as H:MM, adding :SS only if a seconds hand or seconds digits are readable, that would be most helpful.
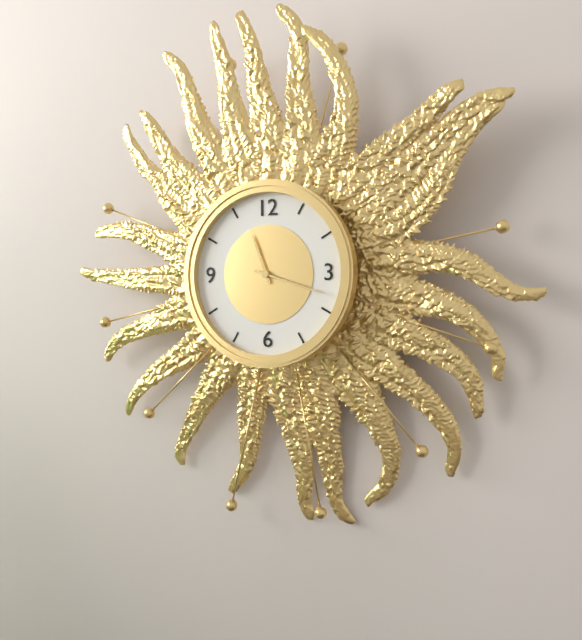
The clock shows 11:18
